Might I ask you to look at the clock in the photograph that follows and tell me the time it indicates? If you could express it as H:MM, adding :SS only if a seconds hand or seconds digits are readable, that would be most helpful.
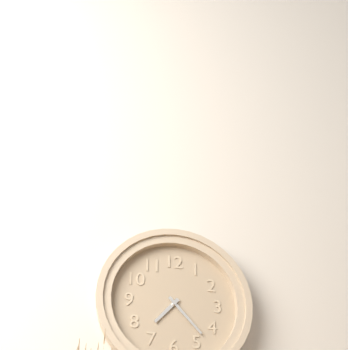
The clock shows 7:23
